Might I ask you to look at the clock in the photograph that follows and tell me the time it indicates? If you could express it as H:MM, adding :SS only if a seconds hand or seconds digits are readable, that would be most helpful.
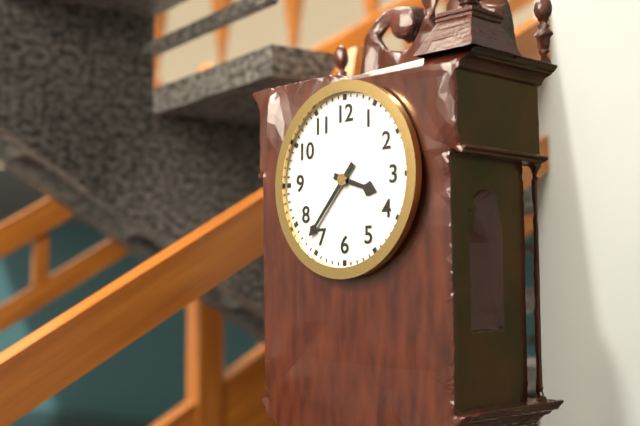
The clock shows 3:37
